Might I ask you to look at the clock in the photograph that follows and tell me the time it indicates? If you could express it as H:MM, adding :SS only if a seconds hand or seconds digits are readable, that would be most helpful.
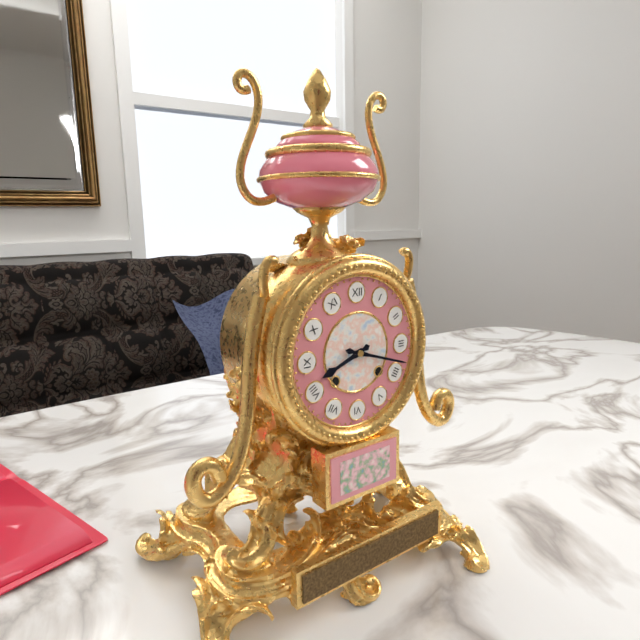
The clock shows 8:18
